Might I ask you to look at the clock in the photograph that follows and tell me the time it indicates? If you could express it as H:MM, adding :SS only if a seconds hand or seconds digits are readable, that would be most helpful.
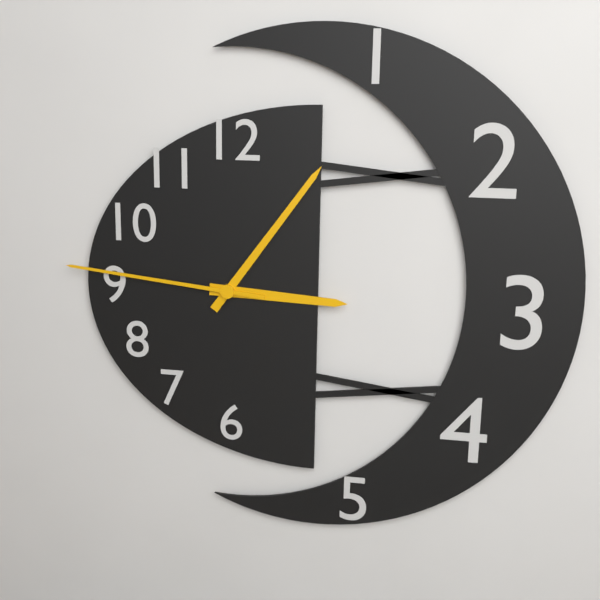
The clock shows 3:06:46
